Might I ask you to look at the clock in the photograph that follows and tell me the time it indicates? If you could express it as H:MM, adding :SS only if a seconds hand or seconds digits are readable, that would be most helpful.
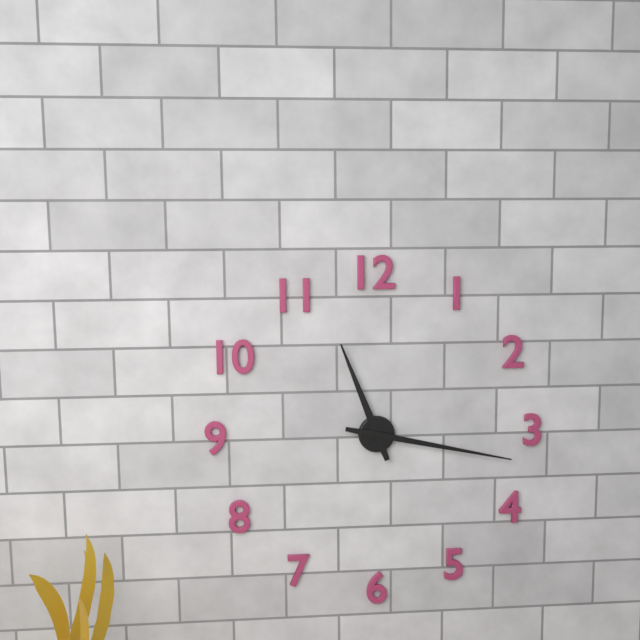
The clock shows 11:17
